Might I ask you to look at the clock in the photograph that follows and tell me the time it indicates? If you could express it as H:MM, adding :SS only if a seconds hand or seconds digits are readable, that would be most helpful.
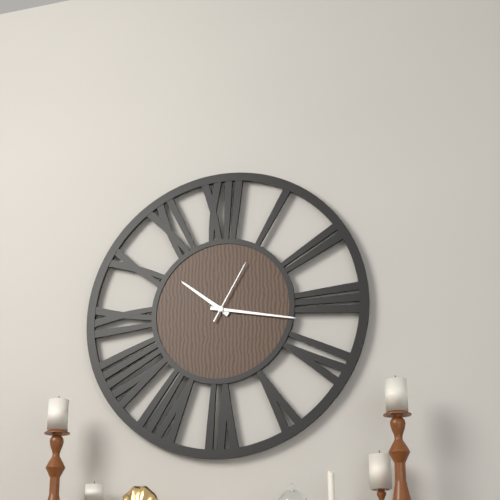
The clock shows 10:17:05
